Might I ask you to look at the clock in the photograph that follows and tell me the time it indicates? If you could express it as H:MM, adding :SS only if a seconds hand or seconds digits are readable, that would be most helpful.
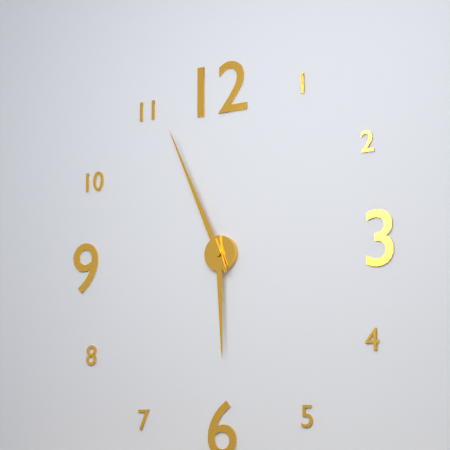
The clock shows 5:56
